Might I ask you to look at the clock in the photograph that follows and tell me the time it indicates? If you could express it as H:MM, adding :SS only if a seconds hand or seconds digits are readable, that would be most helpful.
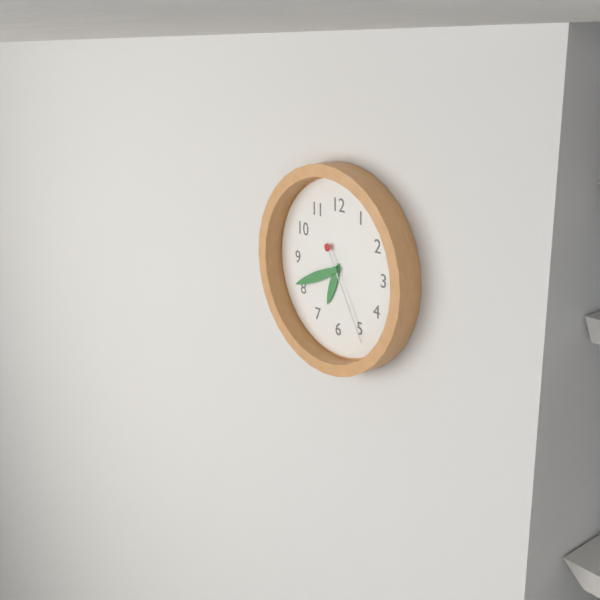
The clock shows 6:41:25
